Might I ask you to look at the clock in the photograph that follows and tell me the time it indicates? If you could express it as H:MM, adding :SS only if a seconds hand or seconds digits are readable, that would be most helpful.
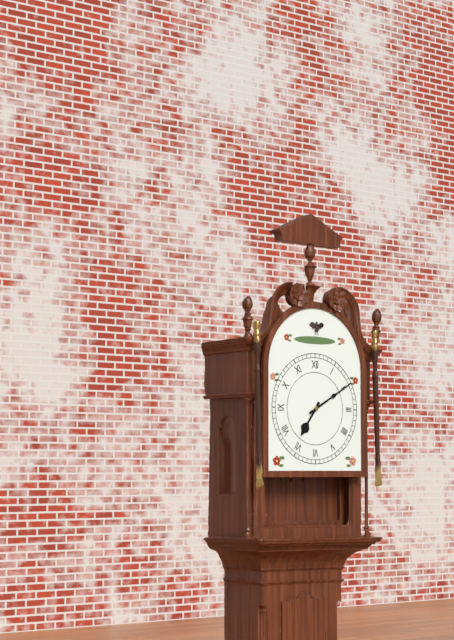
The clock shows 7:10
